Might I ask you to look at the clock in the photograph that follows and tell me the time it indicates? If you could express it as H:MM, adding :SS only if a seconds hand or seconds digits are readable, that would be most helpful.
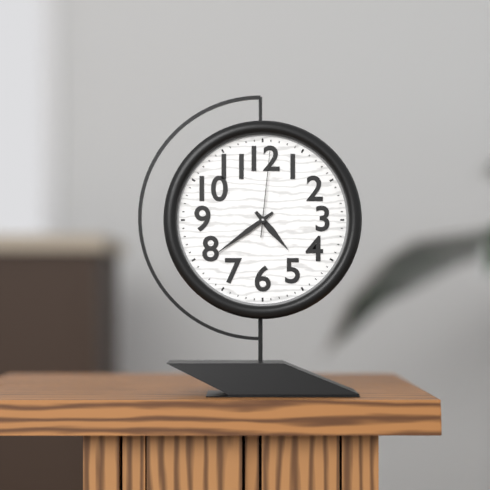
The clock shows 4:39:01
